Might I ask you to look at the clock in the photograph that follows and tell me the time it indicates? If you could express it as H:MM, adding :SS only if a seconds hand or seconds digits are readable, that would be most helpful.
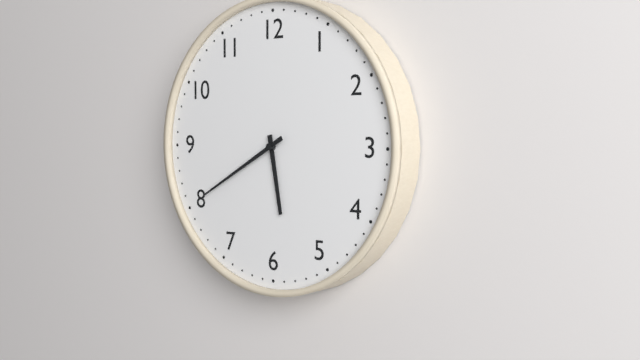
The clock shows 5:40
